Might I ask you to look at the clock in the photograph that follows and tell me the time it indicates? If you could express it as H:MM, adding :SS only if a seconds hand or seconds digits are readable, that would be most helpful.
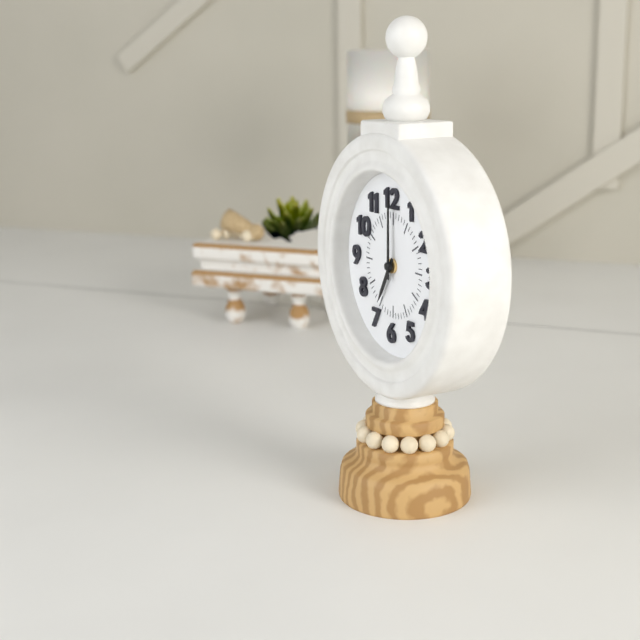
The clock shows 7:00
